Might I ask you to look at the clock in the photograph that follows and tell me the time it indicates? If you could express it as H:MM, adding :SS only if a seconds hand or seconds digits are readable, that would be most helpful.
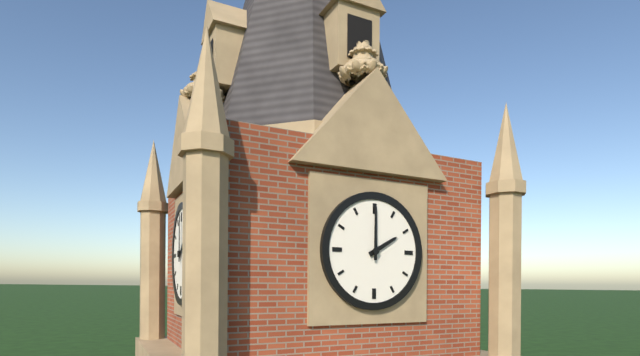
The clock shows 2:00
